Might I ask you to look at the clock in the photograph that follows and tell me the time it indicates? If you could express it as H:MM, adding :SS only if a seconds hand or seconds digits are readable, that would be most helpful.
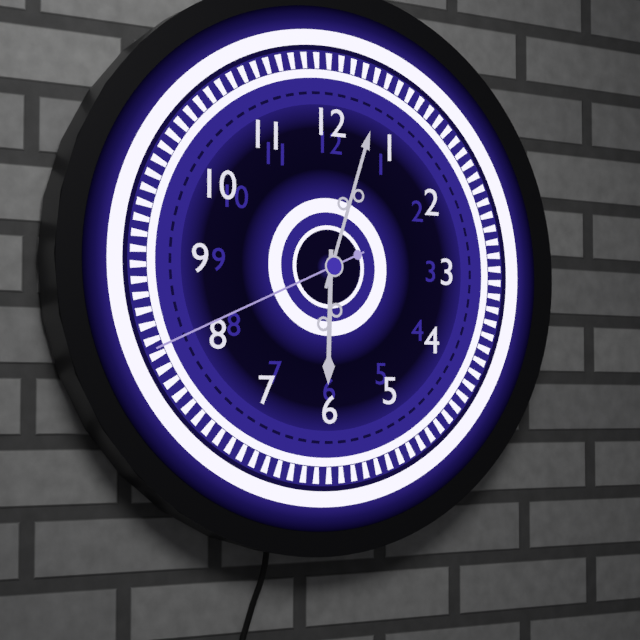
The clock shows 6:03:41
